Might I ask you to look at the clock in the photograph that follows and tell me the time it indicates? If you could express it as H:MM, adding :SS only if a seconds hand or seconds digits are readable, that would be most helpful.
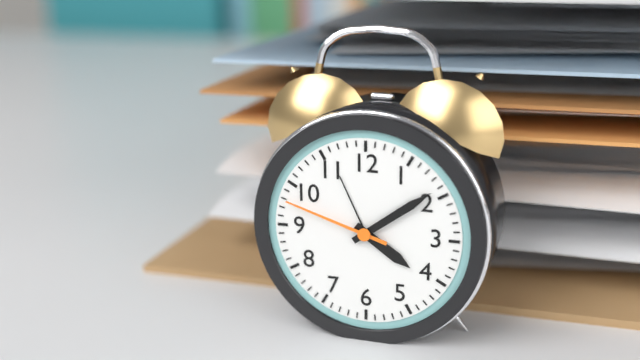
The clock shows 4:09:48
